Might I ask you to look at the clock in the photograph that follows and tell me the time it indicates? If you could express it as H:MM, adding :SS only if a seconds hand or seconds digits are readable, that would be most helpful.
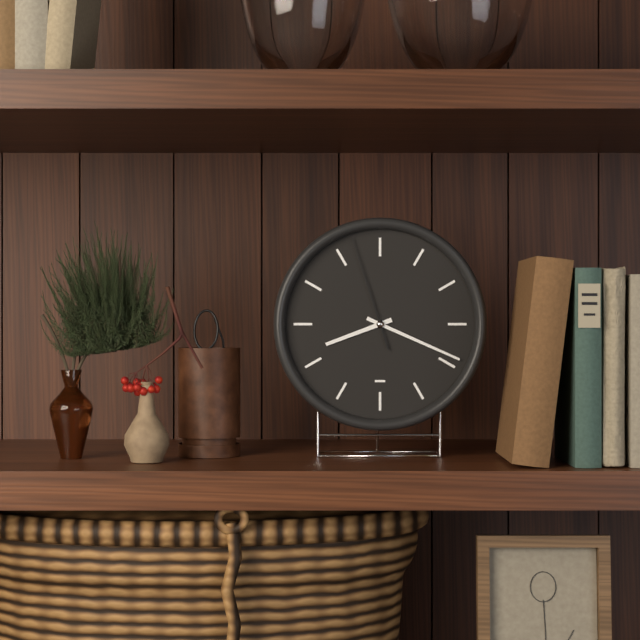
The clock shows 8:19:57
